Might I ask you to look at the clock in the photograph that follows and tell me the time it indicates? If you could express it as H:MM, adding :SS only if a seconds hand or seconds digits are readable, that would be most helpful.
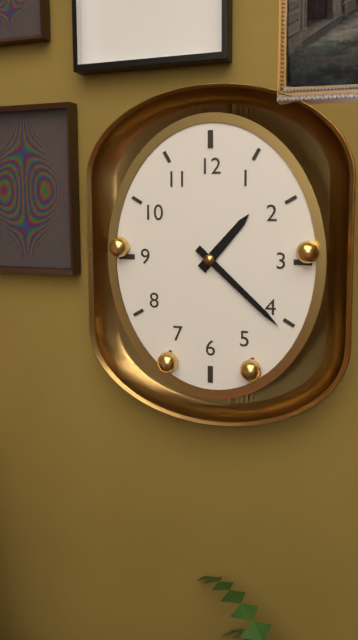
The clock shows 1:22
